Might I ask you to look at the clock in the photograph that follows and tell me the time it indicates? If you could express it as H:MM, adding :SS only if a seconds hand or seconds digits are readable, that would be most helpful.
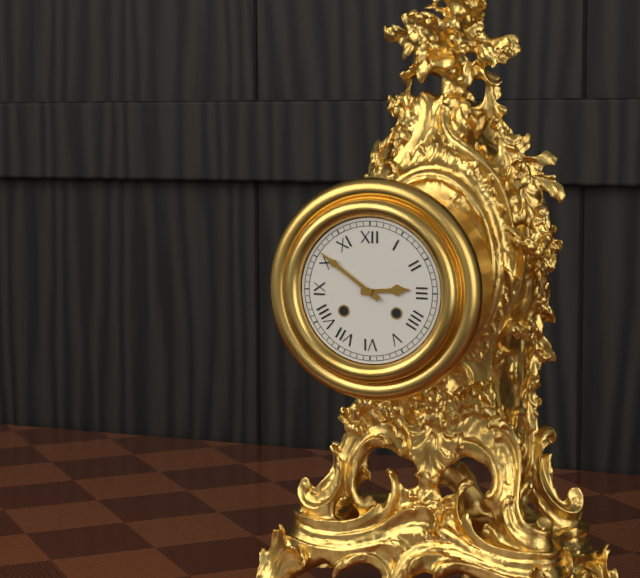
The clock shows 2:51
